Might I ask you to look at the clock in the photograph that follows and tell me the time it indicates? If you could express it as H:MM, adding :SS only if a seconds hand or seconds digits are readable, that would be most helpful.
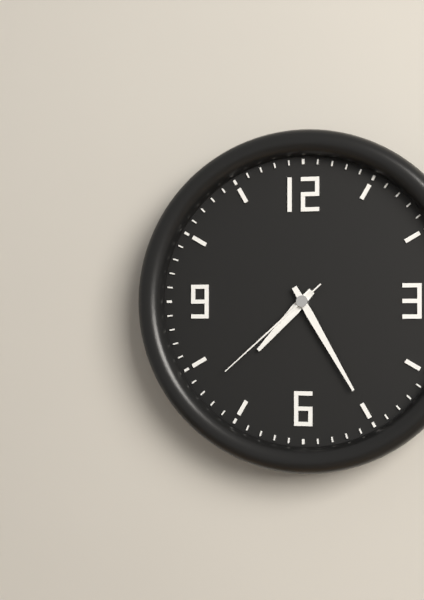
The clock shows 7:25:38
